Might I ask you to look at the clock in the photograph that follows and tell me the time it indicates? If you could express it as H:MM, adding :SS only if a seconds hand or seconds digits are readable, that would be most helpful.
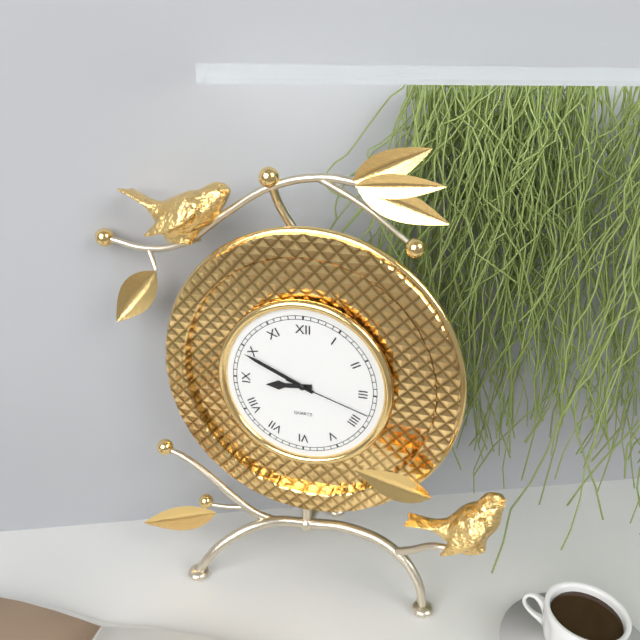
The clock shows 8:49:18
